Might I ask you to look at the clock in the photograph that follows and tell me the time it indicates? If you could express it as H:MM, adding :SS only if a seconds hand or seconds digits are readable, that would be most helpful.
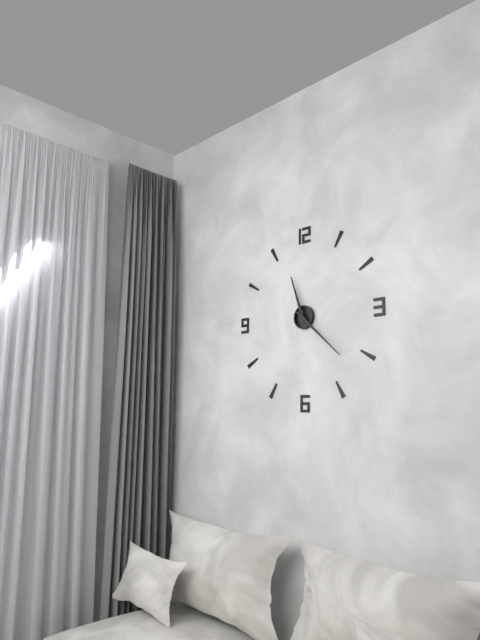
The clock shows 11:22
